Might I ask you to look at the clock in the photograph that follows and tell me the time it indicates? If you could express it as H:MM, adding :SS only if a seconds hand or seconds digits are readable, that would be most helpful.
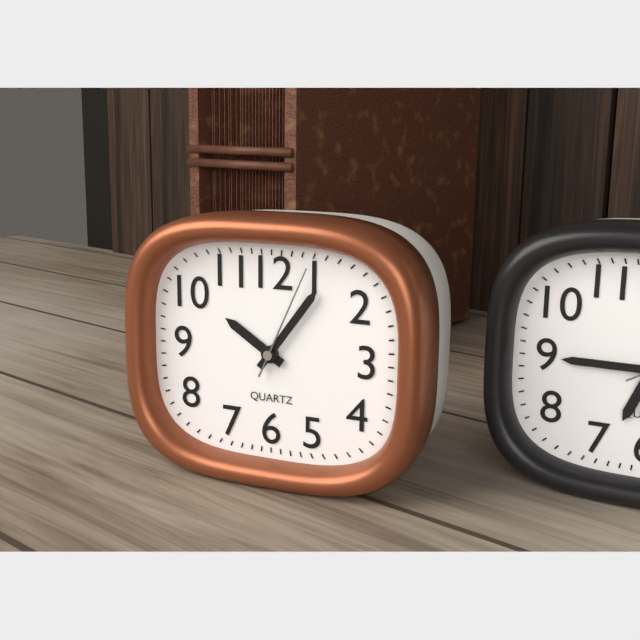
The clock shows 10:06:04
